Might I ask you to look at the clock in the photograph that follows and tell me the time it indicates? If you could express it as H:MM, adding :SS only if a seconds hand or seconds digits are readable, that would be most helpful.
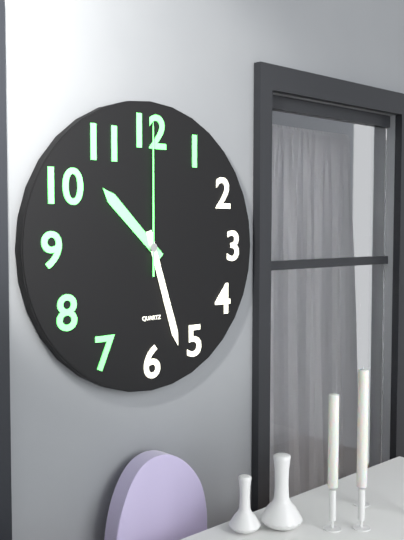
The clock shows 10:27:00
